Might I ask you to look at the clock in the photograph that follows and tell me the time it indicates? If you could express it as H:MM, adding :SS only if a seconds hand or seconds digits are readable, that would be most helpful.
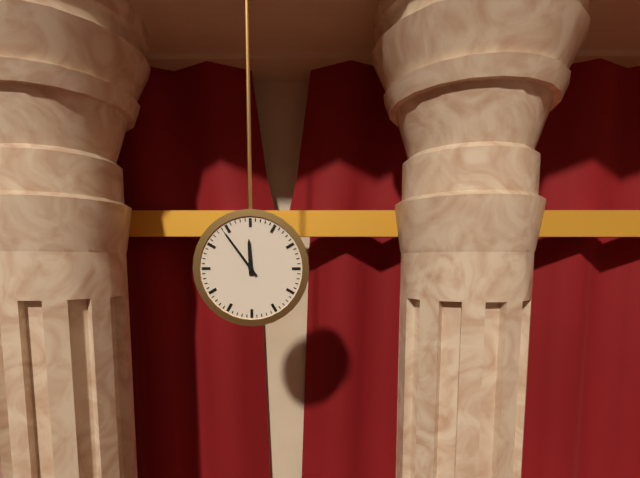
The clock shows 11:54
